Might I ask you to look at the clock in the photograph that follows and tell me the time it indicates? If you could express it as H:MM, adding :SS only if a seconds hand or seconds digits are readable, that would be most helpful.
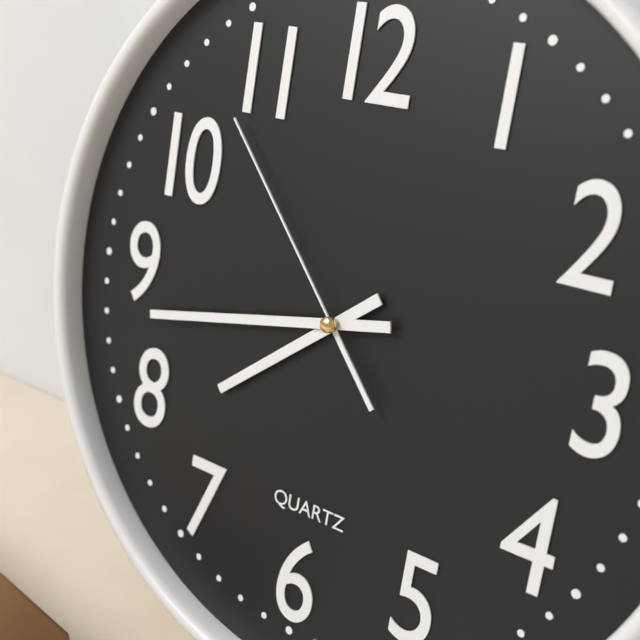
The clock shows 7:43:53
